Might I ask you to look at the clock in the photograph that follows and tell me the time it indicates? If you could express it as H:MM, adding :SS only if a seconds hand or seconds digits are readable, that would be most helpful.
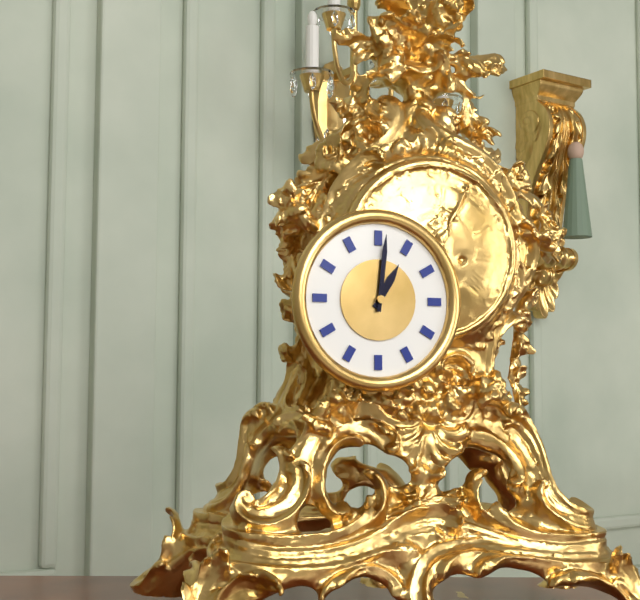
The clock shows 1:01
